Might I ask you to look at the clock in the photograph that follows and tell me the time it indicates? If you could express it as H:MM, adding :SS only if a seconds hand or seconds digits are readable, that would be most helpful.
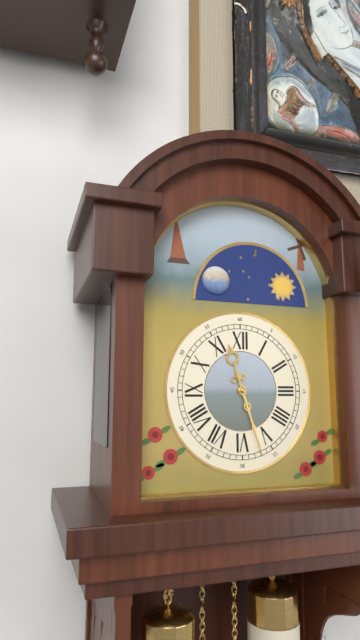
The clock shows 11:27
